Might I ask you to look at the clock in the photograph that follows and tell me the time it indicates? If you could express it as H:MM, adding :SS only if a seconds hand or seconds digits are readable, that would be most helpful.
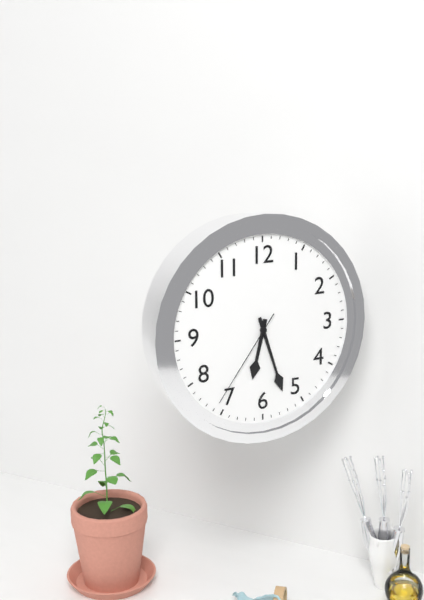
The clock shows 6:27:36
